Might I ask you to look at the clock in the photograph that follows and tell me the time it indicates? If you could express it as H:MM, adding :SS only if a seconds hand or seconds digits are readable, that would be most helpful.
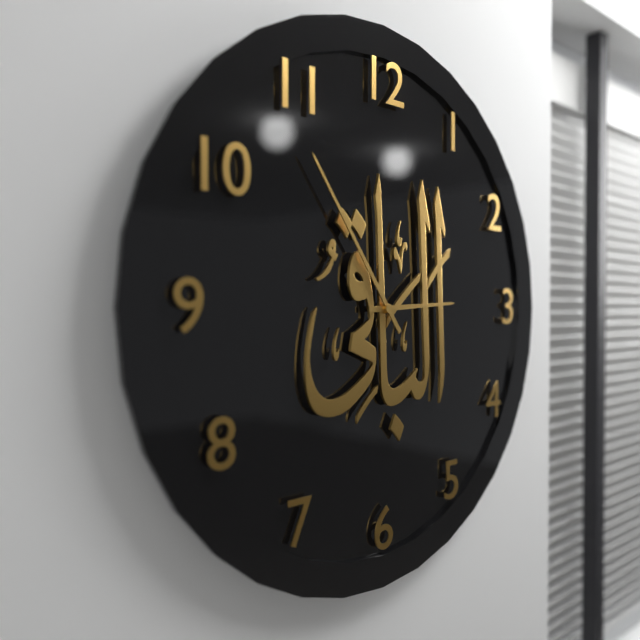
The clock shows 2:54
